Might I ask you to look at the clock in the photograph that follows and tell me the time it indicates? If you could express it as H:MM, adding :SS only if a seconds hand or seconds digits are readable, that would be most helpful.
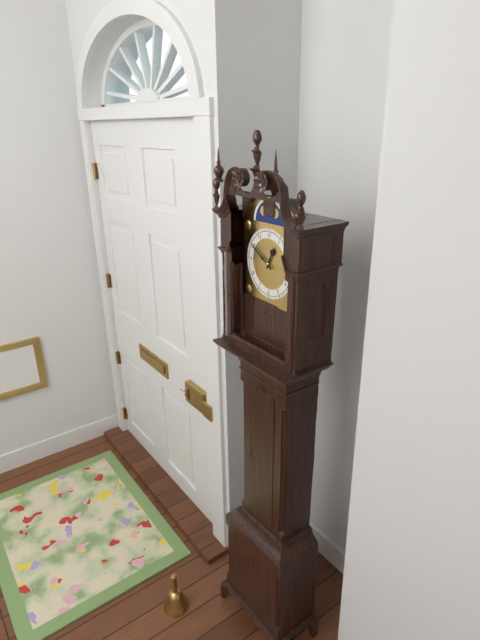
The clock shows 12:50
